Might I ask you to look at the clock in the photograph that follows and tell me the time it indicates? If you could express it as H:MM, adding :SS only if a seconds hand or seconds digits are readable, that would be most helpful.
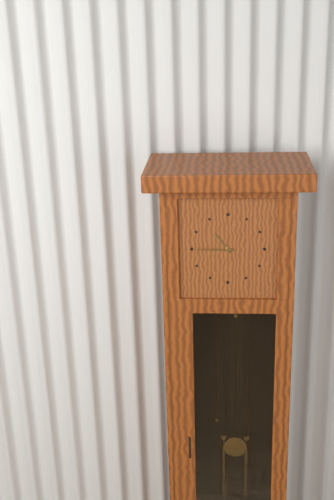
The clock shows 10:45
